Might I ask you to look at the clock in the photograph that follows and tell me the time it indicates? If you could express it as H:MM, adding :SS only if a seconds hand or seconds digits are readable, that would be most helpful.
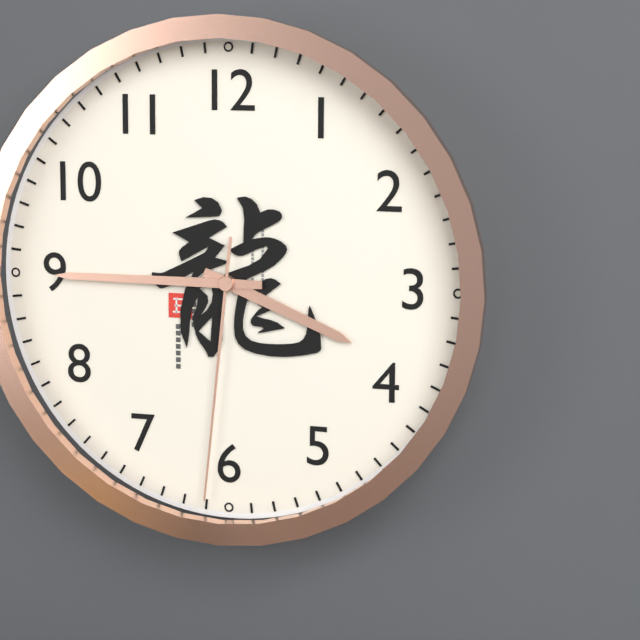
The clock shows 3:45:31
